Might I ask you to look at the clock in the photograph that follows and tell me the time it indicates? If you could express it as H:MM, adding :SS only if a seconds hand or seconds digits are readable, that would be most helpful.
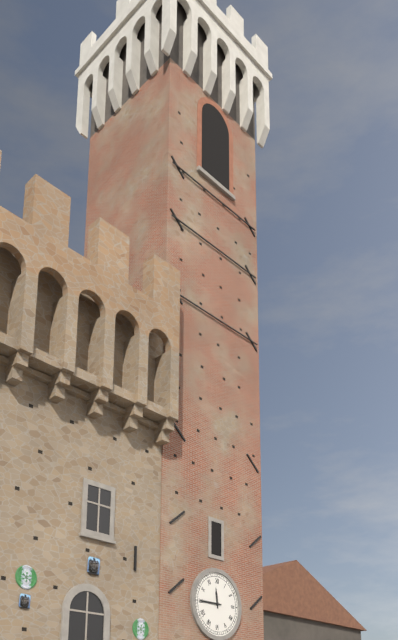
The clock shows 11:45
